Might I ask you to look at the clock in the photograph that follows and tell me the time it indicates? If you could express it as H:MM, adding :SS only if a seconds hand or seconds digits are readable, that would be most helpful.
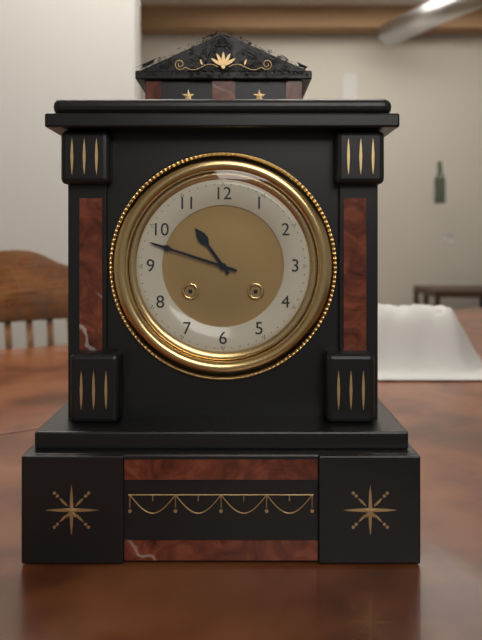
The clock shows 10:48
